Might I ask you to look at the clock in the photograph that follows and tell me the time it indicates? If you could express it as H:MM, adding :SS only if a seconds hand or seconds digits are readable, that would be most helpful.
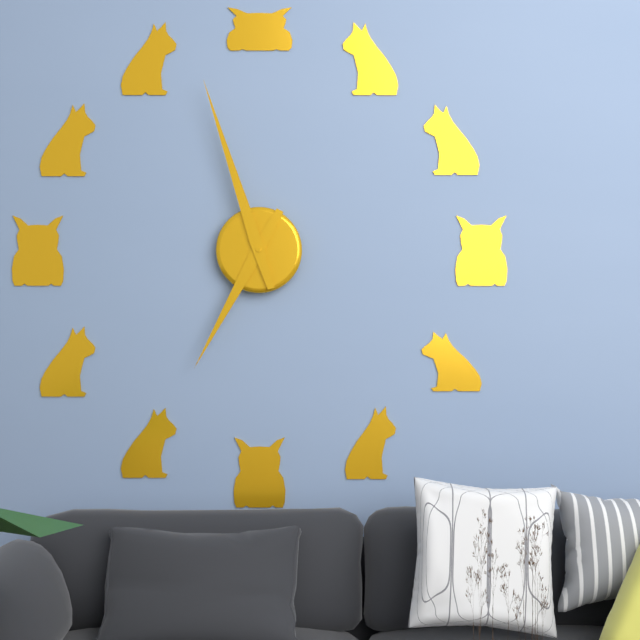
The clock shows 6:57
